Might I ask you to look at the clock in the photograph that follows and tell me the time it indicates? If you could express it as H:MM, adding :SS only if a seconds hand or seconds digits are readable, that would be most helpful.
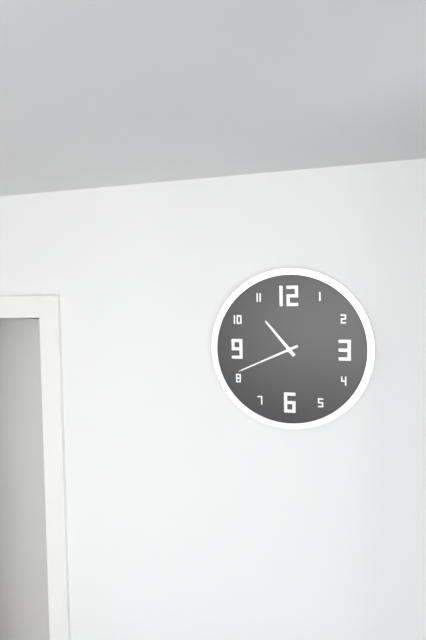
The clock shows 10:41
